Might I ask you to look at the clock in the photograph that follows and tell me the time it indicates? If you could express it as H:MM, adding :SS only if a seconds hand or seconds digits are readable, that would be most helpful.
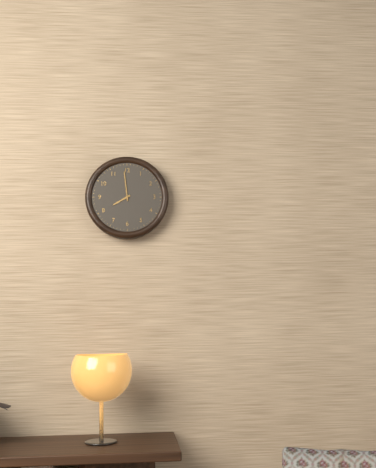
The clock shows 7:59
